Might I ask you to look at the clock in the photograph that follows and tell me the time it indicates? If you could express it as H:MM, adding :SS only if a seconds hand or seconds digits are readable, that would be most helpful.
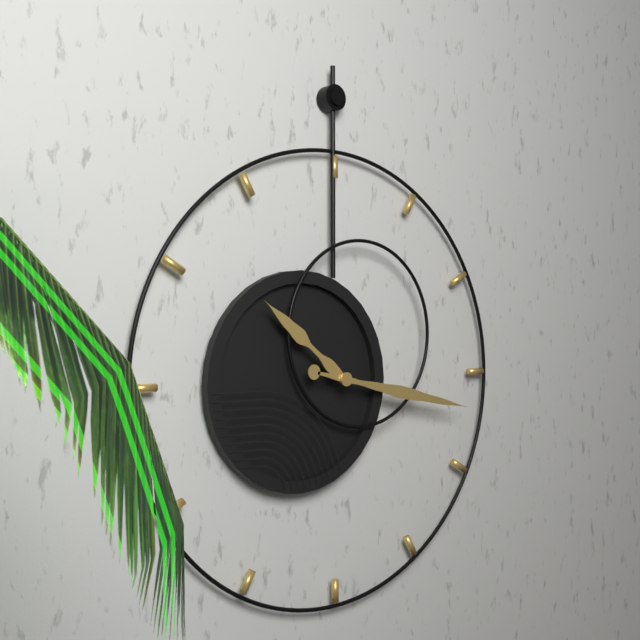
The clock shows 10:17
